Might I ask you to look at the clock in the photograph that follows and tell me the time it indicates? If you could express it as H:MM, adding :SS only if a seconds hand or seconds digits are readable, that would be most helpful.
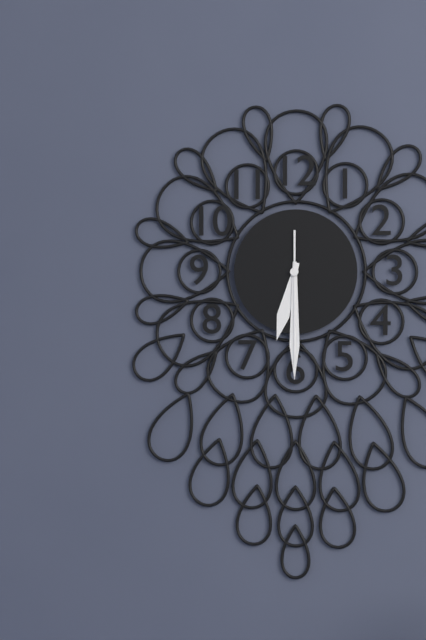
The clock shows 6:30:30
